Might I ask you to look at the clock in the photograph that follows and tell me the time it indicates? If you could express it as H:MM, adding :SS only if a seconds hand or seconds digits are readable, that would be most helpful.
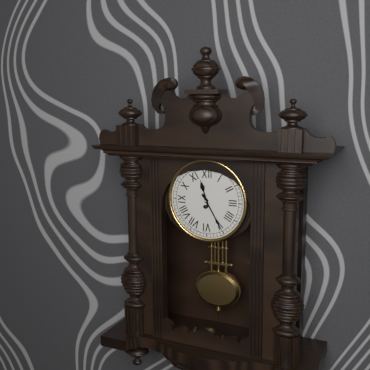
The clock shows 11:25
